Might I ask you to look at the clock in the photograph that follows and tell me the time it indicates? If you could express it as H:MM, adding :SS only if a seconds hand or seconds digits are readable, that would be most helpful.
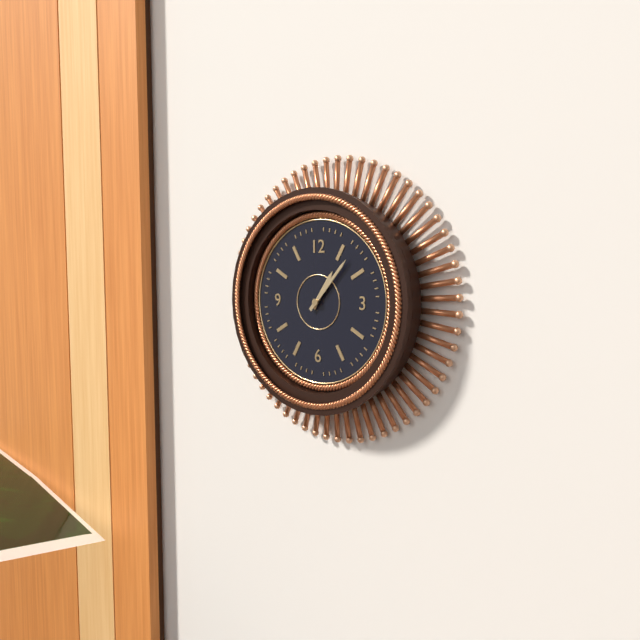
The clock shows 1:07
